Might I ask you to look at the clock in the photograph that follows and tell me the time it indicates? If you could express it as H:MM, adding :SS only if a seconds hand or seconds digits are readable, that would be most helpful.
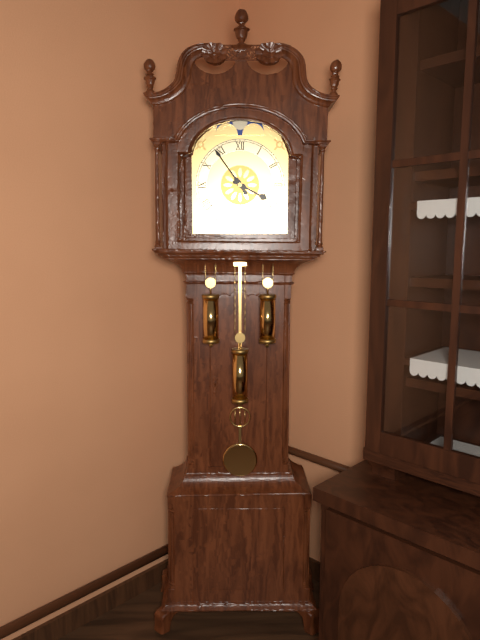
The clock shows 3:54
